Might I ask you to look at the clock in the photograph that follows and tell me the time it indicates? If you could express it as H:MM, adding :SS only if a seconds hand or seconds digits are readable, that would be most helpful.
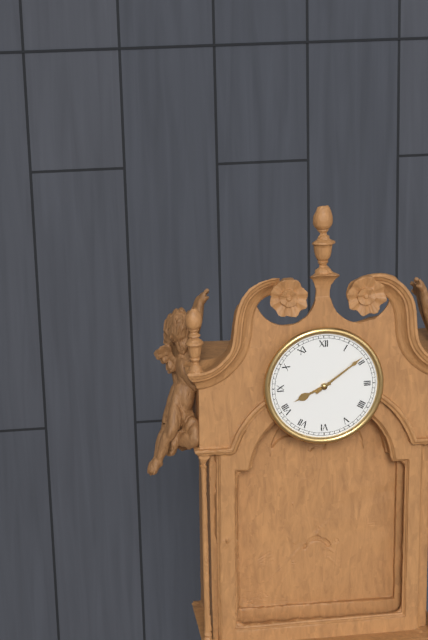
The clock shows 8:09
